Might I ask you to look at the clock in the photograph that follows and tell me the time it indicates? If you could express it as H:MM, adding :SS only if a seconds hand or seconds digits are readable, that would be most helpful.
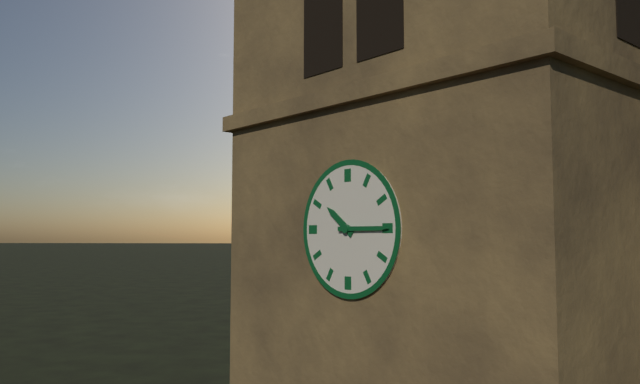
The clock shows 10:15
